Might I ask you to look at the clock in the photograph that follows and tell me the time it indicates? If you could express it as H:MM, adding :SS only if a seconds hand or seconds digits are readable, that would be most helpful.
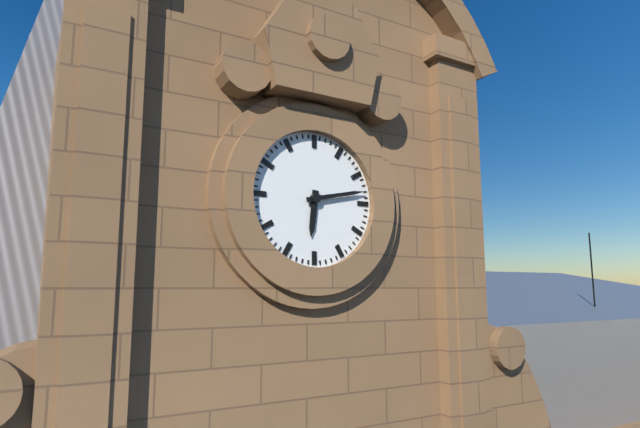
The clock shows 6:13
